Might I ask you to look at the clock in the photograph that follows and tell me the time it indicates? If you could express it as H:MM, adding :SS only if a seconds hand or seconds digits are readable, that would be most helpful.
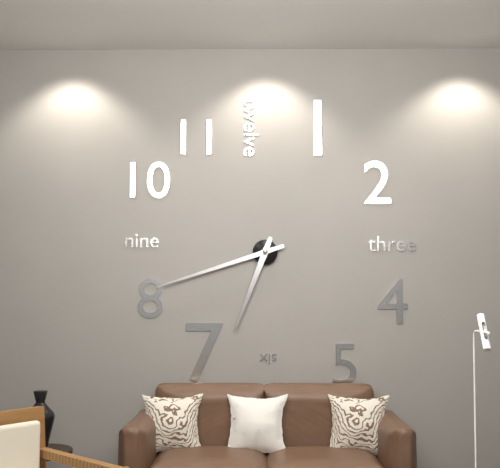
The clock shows 6:42
